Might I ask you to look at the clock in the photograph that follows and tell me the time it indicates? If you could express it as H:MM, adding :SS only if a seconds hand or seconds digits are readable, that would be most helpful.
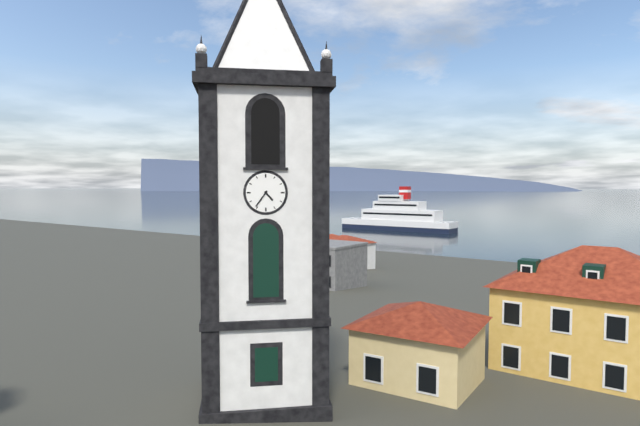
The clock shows 4:36
